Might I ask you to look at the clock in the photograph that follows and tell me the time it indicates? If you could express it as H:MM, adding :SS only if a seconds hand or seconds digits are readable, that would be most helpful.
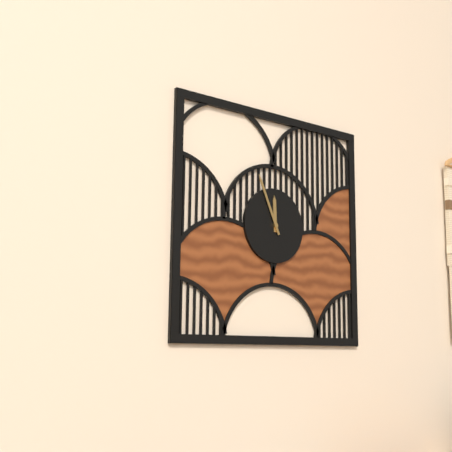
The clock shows 11:56
